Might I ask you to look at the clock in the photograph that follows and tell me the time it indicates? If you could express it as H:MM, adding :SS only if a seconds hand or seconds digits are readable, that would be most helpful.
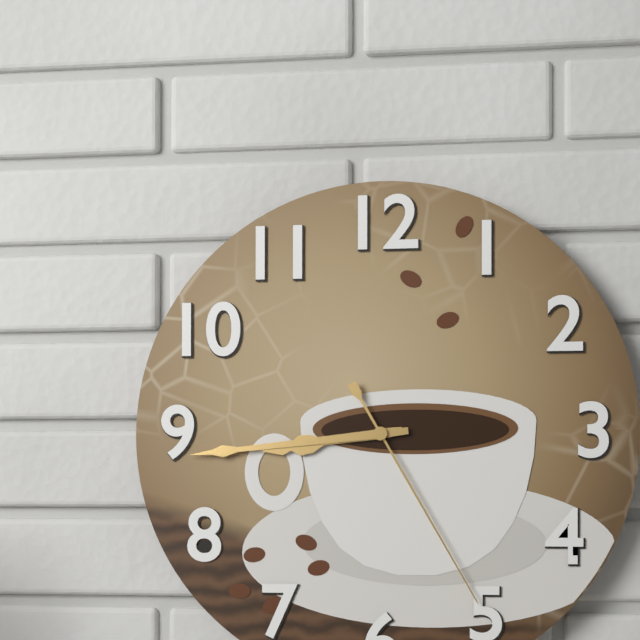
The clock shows 8:44:25
